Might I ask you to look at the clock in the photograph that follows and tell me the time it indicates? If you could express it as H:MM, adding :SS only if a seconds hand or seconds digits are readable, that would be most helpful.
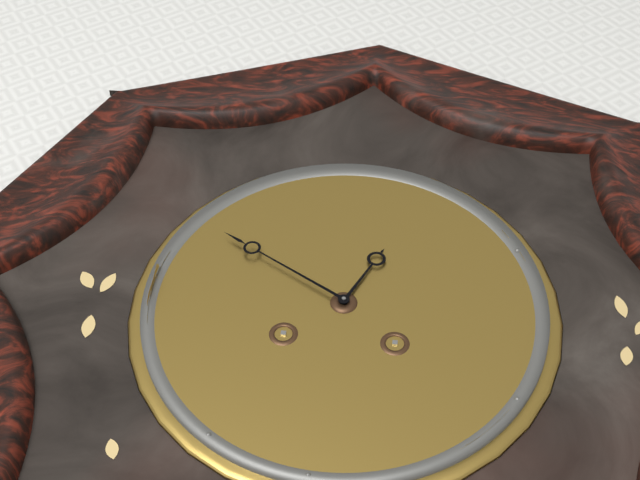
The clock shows 12:50
